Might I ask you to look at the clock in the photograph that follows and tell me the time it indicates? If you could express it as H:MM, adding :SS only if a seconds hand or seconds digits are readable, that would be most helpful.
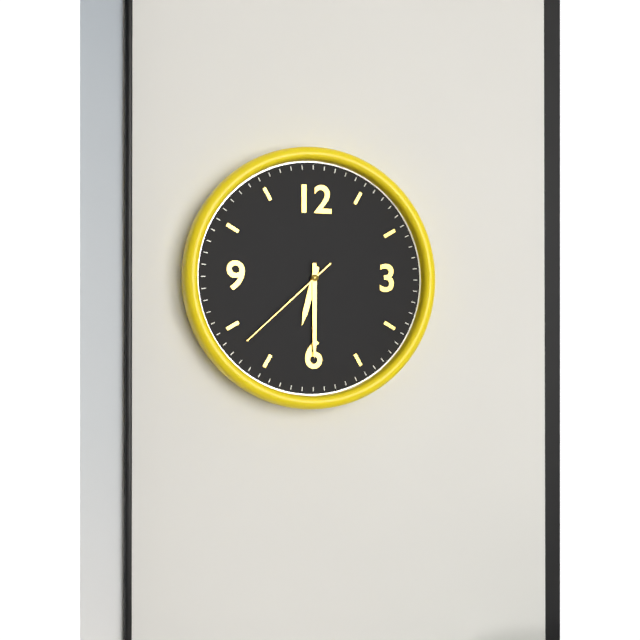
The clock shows 6:30:38
